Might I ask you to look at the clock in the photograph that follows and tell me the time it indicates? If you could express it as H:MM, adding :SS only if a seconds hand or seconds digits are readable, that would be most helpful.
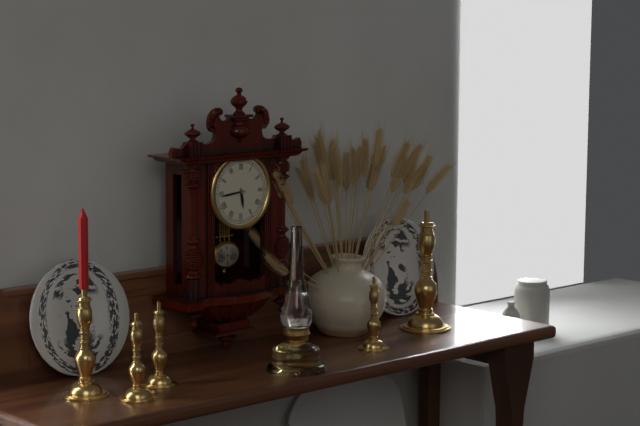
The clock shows 5:44
